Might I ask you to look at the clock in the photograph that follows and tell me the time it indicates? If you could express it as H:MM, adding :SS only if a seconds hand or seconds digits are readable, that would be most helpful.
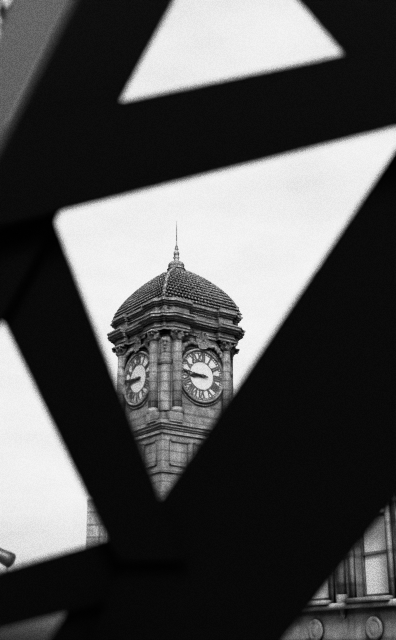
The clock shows 8:46
